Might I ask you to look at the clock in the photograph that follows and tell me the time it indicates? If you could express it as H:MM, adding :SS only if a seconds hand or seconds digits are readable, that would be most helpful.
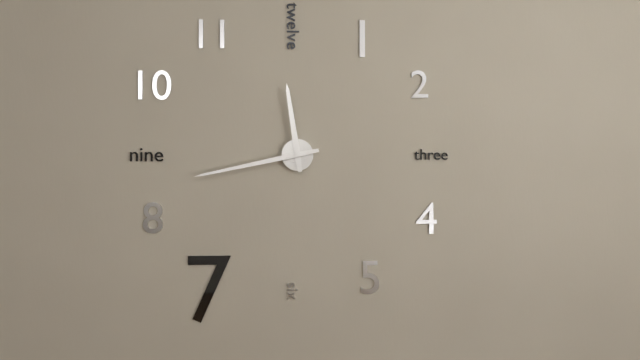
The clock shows 11:43
